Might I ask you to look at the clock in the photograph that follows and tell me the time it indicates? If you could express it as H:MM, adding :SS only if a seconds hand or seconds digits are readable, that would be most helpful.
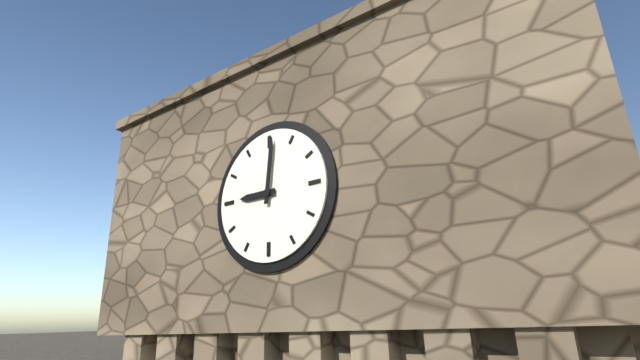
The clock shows 9:01
